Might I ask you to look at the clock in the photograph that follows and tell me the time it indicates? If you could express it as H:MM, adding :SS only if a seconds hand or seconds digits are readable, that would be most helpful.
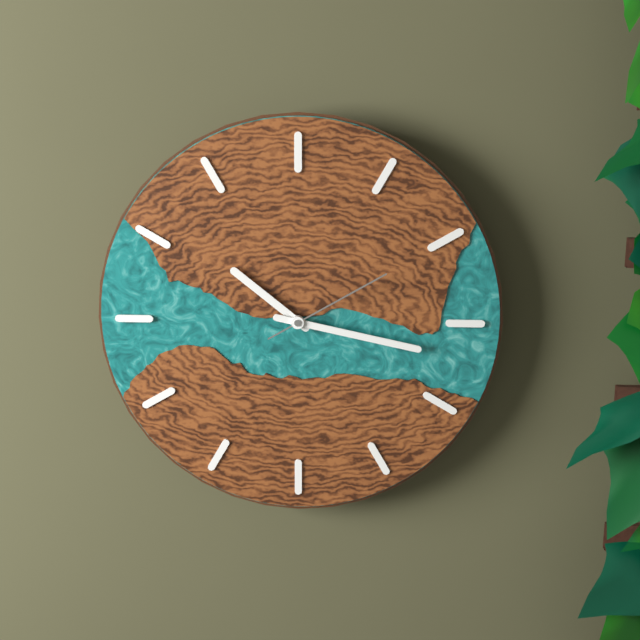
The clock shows 10:17:10
